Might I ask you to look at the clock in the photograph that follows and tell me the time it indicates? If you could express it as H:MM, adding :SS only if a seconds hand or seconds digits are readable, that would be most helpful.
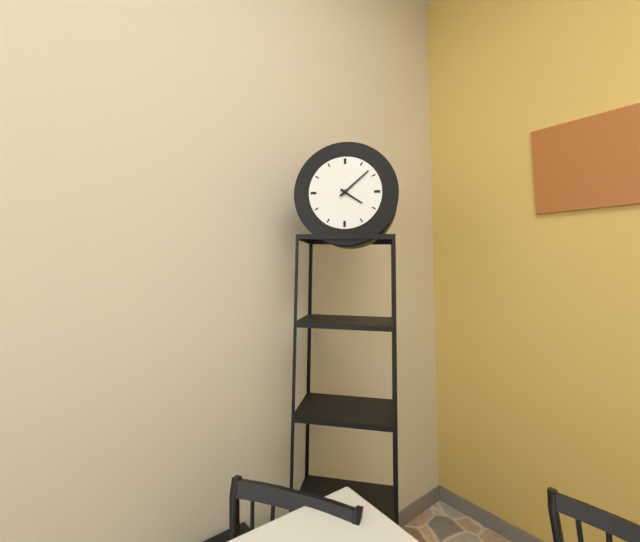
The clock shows 4:08
